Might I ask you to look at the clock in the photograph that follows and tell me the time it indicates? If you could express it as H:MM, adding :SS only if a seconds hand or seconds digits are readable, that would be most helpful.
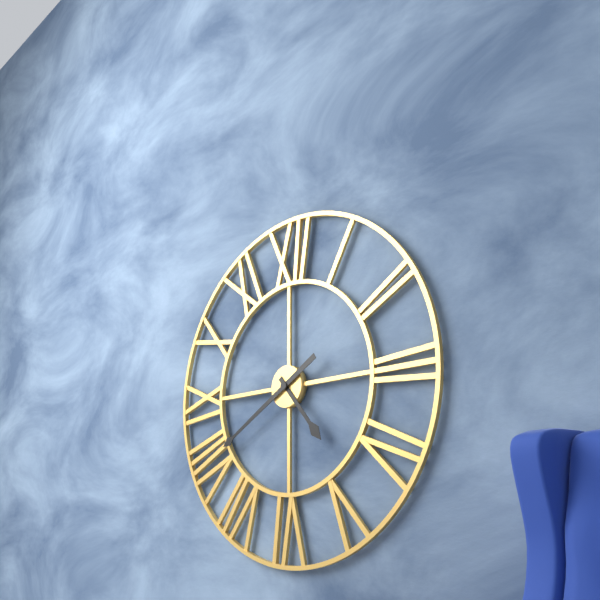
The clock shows 4:40
